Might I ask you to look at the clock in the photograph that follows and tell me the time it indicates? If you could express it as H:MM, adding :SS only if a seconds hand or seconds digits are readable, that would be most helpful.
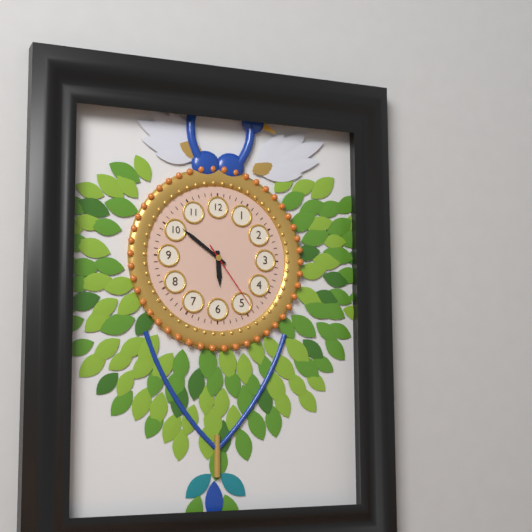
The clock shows 5:51:24
